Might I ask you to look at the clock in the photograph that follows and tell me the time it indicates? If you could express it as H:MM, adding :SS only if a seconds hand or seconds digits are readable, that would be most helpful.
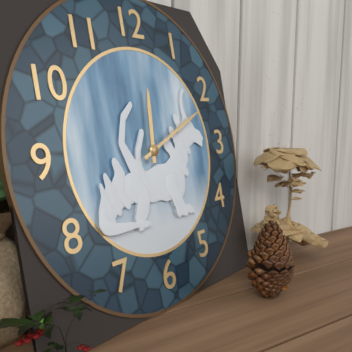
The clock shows 12:11
